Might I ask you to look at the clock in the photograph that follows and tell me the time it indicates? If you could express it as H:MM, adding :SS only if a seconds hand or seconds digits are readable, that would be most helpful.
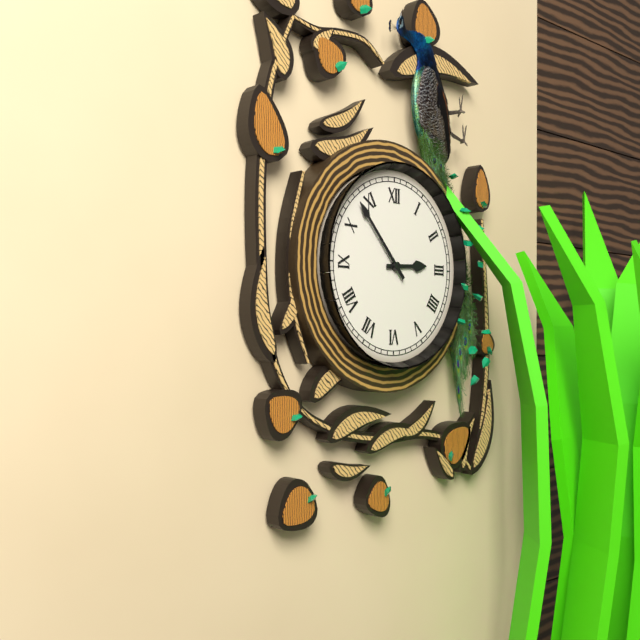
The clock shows 2:53
